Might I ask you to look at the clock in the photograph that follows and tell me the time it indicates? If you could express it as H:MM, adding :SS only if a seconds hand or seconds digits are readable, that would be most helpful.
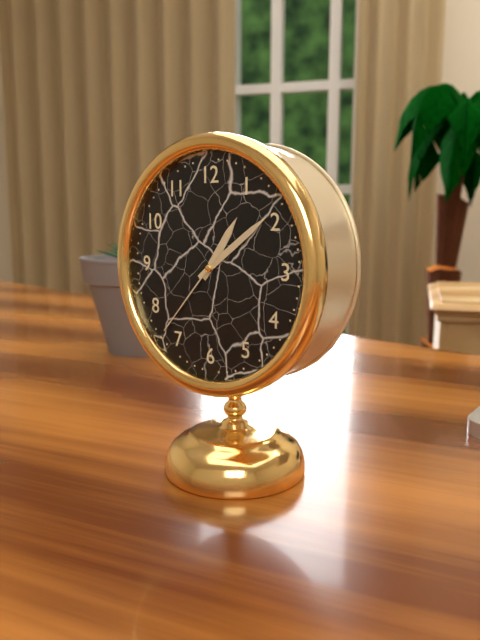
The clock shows 1:09:37
